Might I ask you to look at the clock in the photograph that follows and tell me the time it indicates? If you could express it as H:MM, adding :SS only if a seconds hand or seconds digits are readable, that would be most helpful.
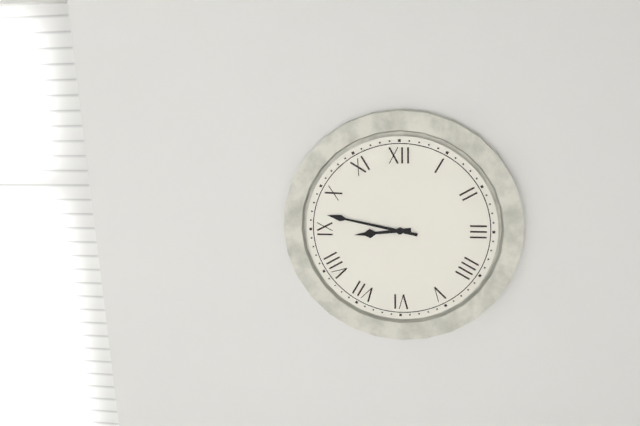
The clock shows 8:47
